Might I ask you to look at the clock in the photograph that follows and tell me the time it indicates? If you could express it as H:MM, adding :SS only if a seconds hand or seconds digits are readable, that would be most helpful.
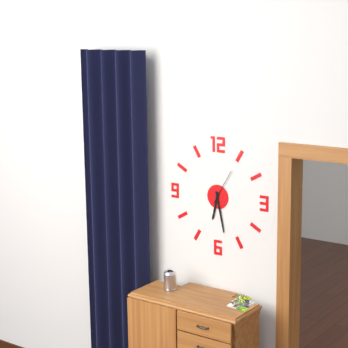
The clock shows 6:28
